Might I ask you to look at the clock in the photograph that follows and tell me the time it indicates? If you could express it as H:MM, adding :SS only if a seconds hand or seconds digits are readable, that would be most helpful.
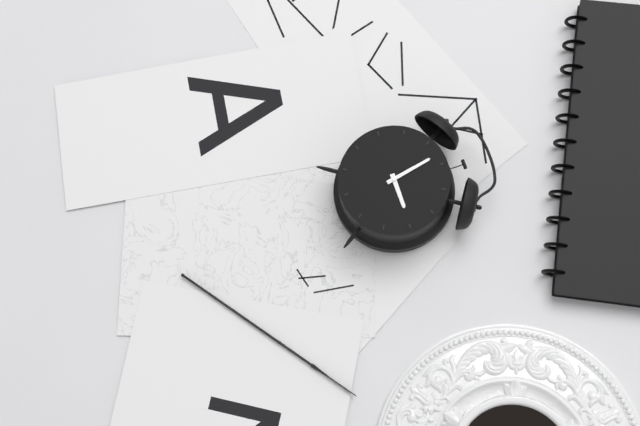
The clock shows 2:58
